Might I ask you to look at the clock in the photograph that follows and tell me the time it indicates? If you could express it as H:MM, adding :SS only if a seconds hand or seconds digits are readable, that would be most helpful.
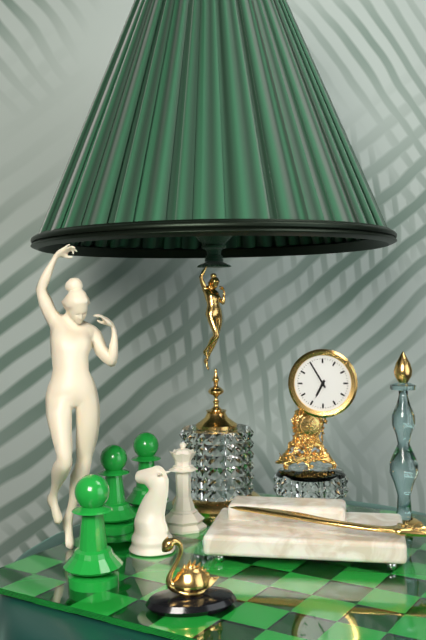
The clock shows 6:55
